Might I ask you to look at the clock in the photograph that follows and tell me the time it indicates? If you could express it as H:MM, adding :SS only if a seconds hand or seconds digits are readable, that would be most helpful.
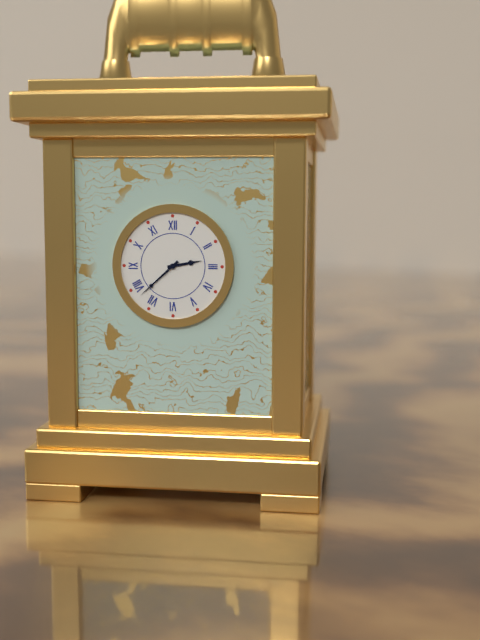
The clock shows 2:38
